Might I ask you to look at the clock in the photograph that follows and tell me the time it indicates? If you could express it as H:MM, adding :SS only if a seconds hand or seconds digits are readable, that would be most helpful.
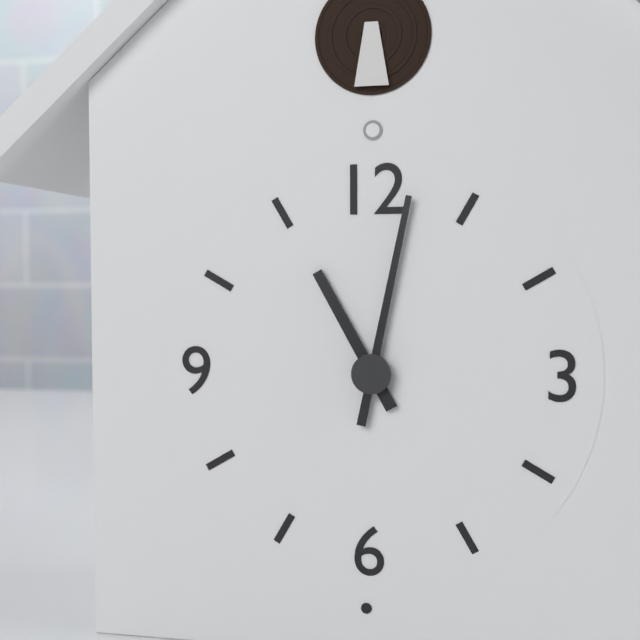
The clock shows 11:02
